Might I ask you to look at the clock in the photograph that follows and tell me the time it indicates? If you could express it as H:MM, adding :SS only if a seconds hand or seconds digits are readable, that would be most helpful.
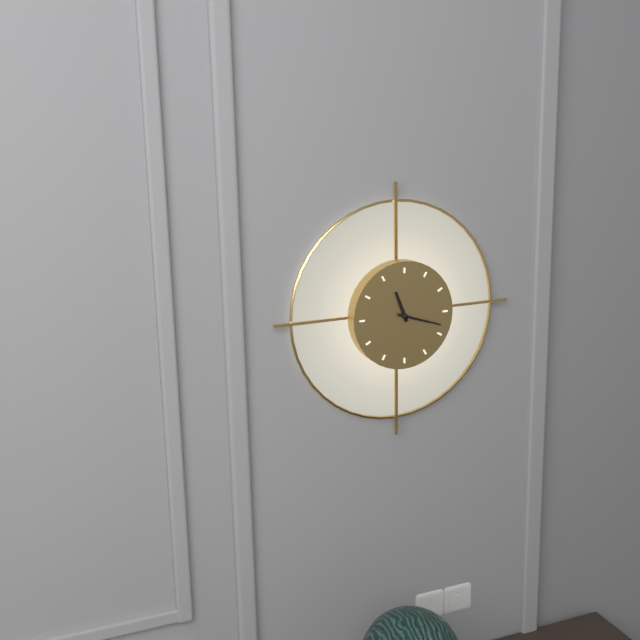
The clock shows 11:18
